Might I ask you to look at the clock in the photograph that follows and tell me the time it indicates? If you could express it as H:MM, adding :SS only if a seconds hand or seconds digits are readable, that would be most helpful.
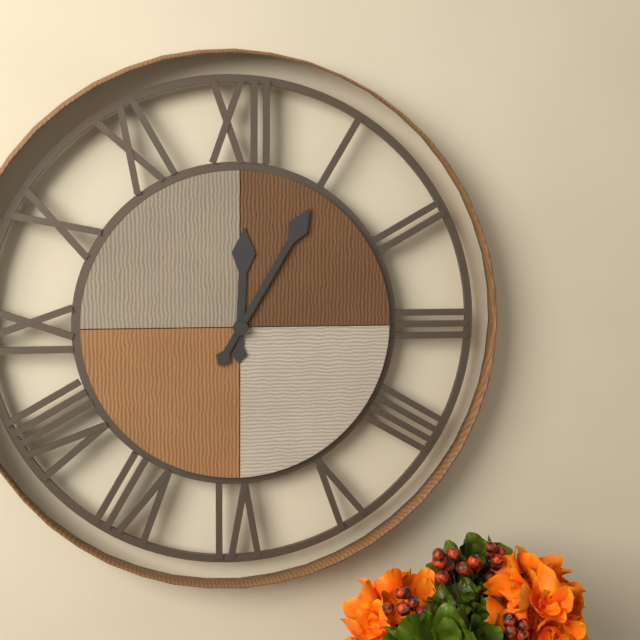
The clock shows 12:05
